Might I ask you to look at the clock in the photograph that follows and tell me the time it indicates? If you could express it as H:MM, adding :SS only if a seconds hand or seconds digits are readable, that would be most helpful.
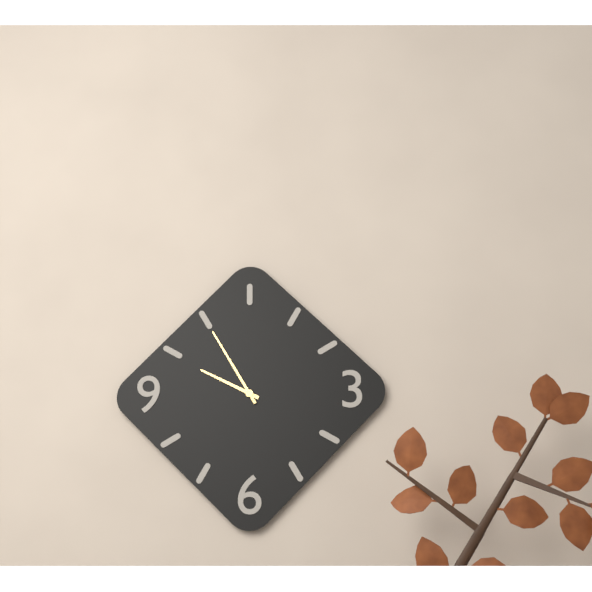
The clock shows 9:55
